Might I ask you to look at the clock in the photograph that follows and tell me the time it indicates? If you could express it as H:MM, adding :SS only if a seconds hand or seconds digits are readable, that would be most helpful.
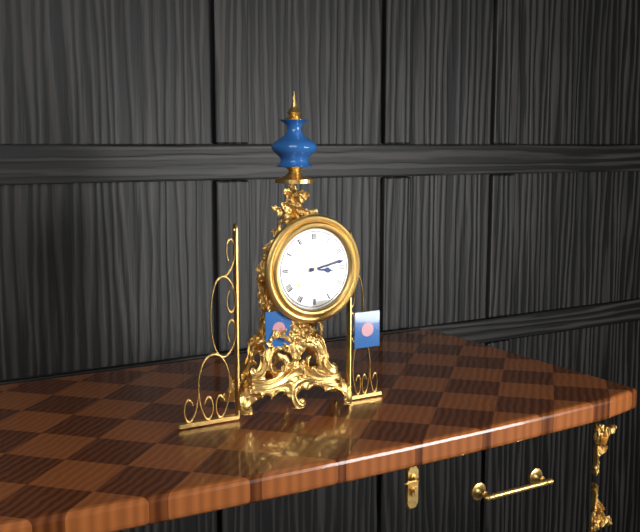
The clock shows 3:13
